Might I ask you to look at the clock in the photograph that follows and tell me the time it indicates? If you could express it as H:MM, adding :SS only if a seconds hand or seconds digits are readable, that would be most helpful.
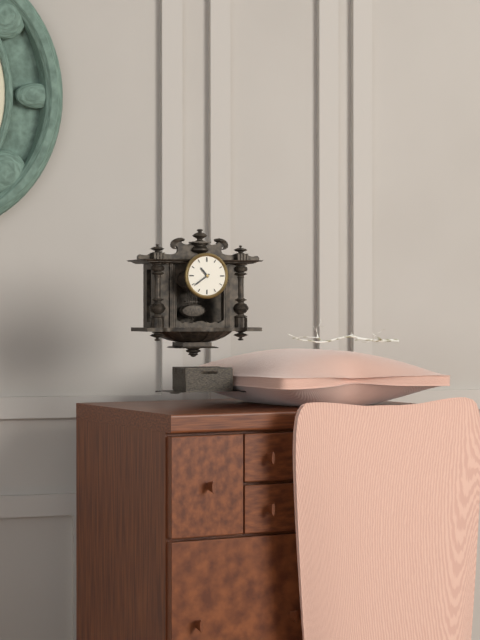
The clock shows 10:39
